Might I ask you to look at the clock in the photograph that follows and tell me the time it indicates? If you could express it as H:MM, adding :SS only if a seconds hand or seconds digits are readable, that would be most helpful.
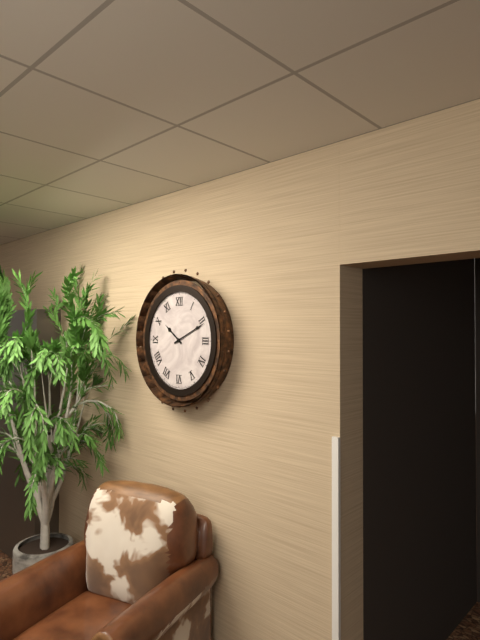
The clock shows 10:11
